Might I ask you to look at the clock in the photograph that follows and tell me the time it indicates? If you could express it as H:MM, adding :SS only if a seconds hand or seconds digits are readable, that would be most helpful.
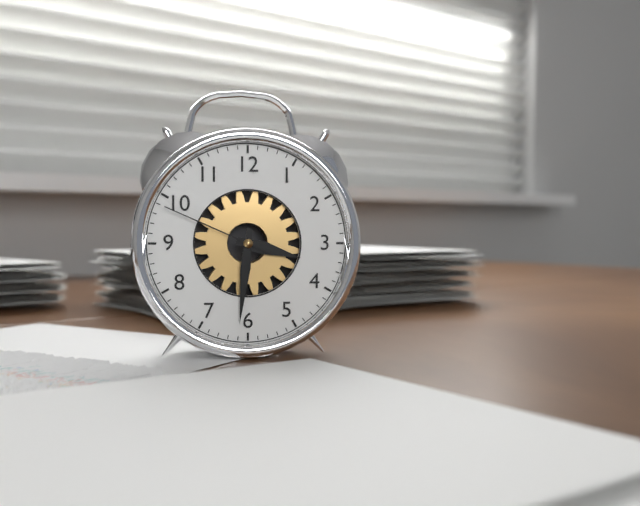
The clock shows 3:31:49
